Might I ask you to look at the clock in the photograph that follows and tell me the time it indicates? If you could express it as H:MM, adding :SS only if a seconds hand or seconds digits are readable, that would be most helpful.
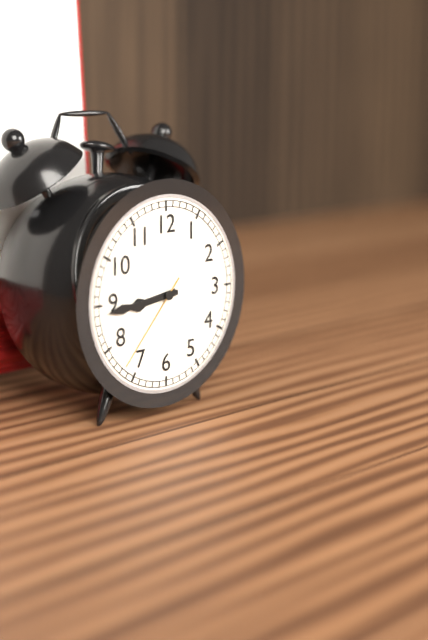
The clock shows 8:44:37
